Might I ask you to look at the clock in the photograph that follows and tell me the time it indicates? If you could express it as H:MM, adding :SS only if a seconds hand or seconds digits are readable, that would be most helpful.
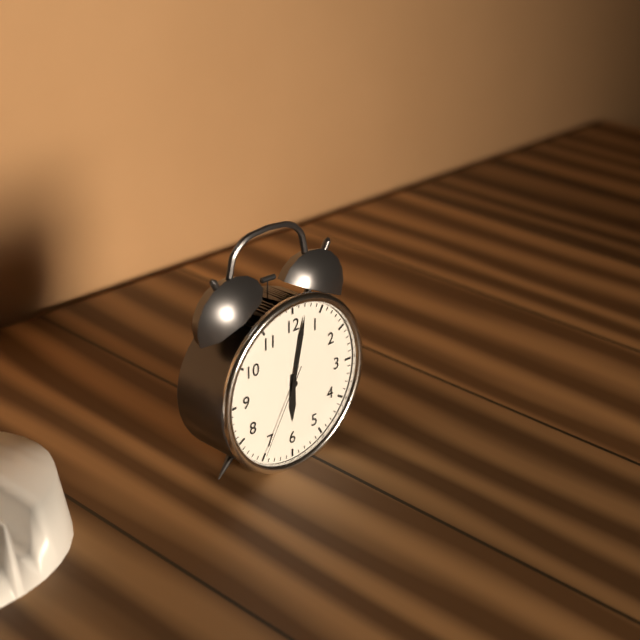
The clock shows 6:02:35
